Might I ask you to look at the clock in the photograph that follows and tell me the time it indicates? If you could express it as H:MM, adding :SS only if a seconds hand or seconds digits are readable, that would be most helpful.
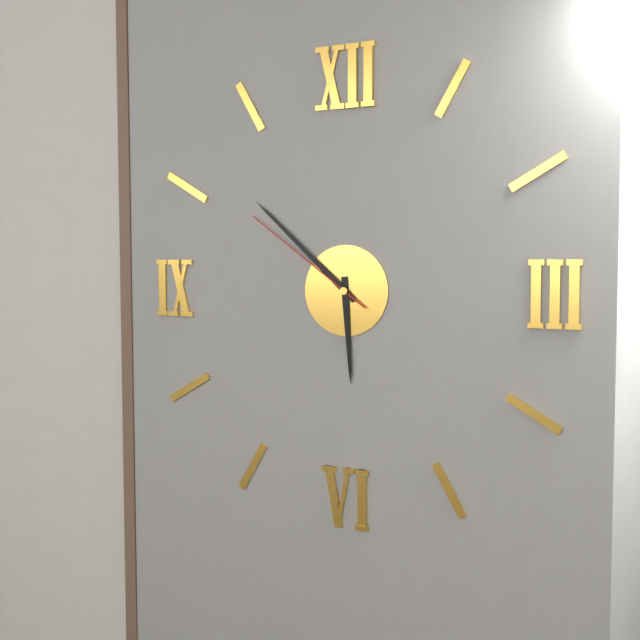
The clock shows 5:52:51
